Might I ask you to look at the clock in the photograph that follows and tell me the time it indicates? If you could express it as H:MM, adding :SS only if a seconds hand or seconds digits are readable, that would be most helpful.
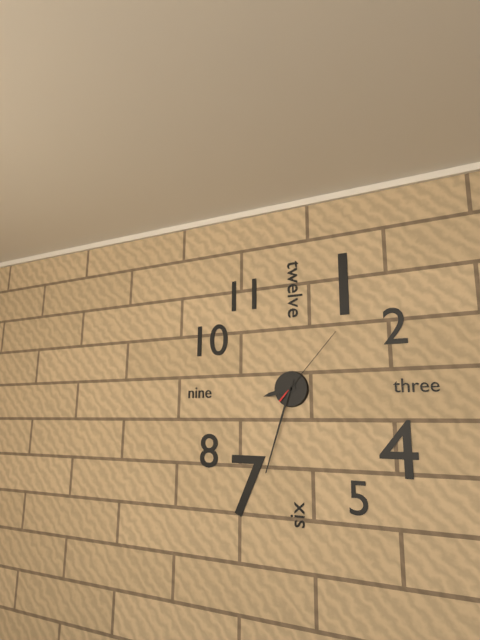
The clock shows 8:33:07
